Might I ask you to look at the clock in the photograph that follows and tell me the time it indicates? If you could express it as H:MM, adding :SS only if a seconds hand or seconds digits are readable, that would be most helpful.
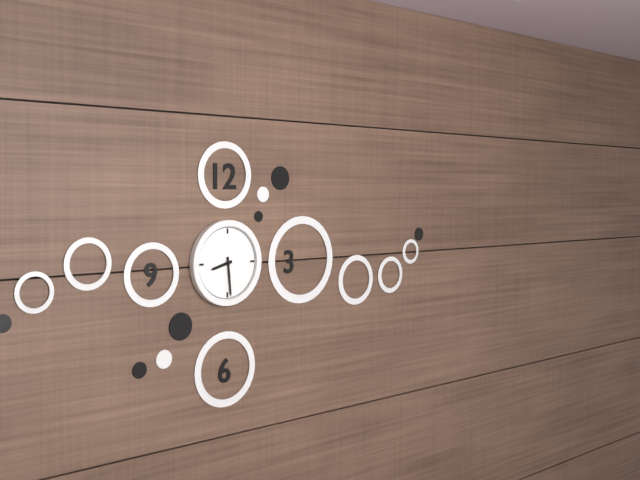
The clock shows 8:29
